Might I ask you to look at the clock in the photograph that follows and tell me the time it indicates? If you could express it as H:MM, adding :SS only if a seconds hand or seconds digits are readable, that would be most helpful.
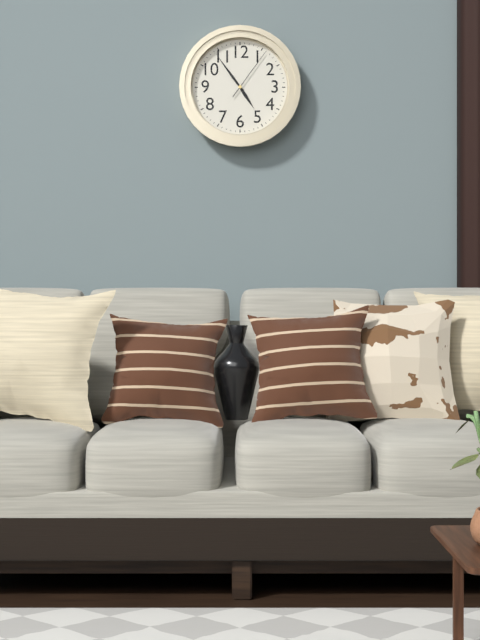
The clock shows 4:54:06
